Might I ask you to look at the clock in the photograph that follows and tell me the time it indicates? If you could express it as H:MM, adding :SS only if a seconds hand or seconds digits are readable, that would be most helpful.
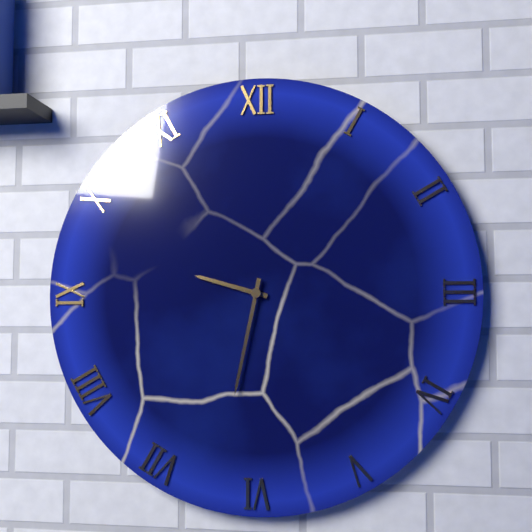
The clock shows 9:32
